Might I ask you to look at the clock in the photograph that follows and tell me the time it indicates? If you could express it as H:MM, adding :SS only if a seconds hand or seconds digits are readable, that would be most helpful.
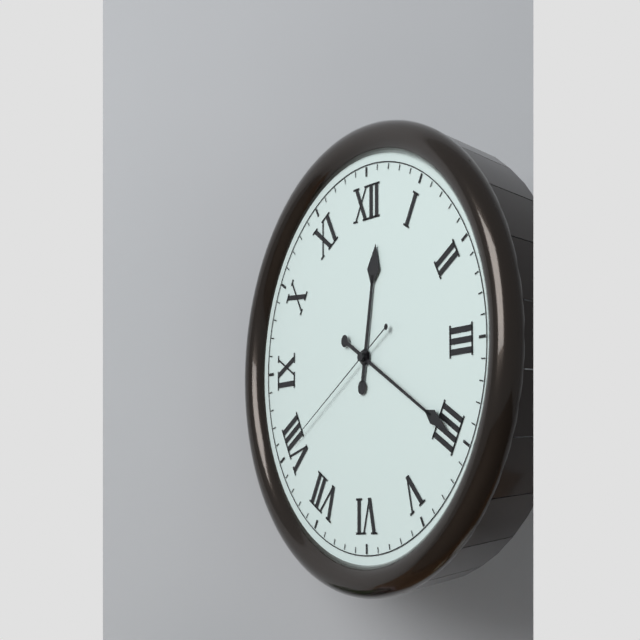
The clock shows 12:20:40
